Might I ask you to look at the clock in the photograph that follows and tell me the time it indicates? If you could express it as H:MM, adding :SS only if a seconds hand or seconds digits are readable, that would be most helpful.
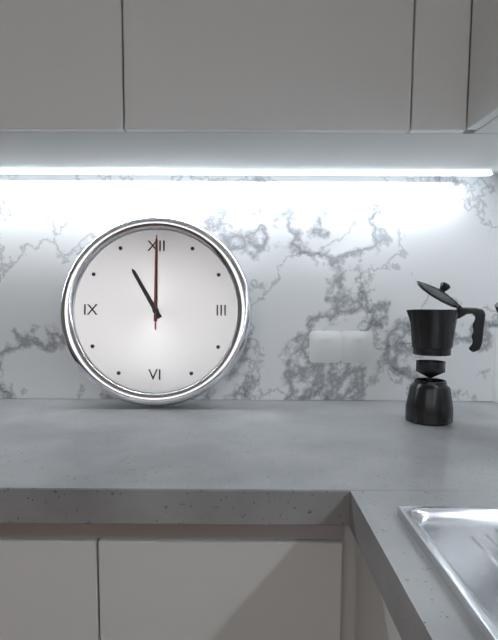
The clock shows 11:00:00
